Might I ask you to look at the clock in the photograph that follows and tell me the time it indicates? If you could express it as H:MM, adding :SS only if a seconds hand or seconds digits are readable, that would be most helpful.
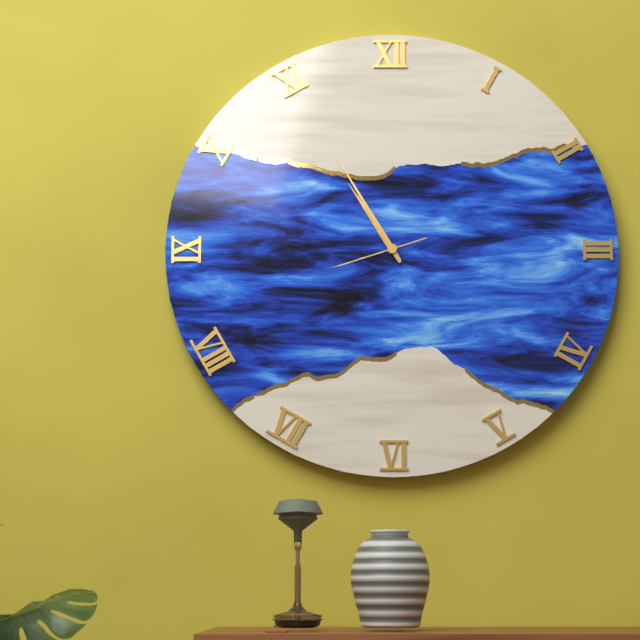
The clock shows 10:55:42
